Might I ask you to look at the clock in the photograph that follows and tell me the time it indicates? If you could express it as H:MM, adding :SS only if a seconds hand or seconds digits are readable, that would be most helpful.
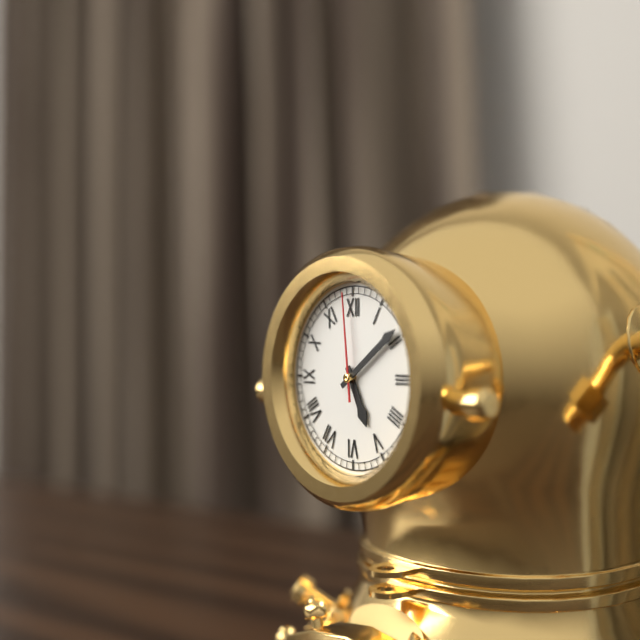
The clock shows 5:09:59
